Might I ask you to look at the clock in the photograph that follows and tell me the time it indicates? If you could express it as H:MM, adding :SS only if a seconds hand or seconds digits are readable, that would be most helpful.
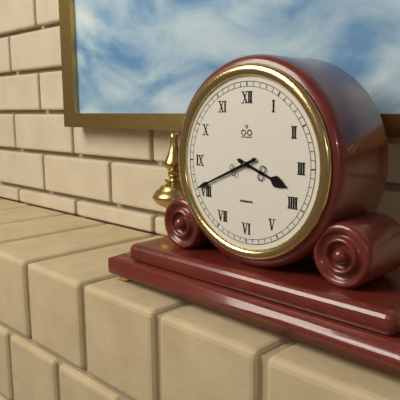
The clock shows 3:41
